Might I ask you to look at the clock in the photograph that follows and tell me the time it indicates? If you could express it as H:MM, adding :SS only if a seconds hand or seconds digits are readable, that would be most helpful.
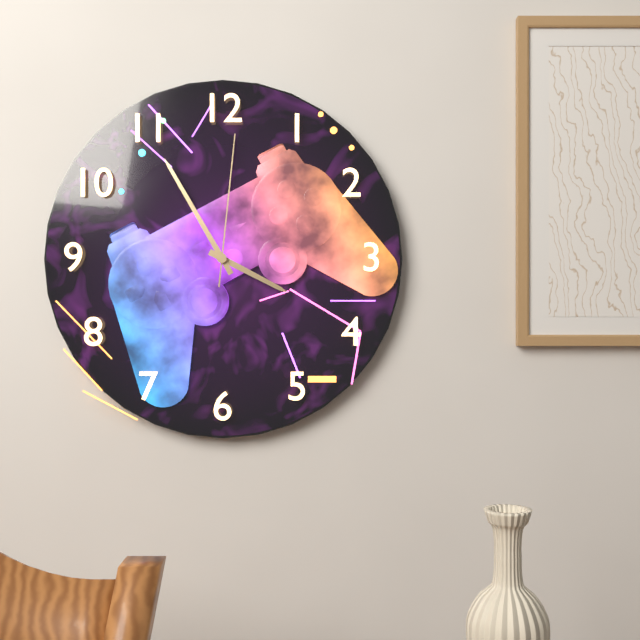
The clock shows 3:55:01
